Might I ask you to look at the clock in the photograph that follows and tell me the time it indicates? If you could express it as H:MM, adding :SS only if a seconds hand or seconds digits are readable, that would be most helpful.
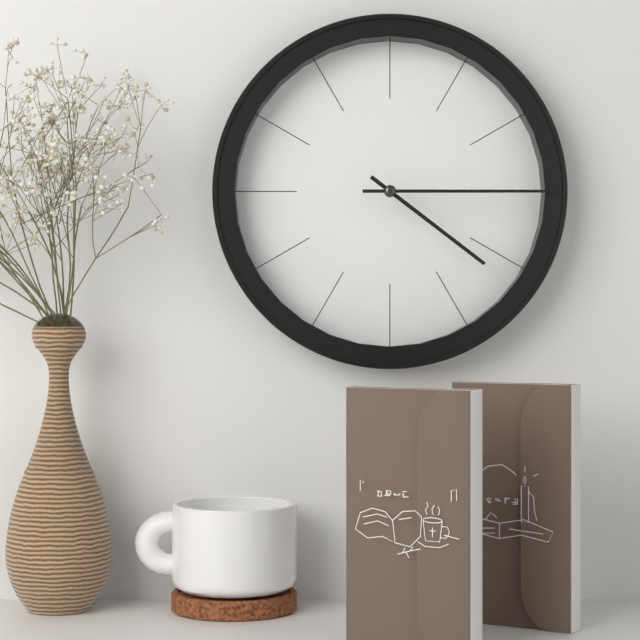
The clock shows 4:15
